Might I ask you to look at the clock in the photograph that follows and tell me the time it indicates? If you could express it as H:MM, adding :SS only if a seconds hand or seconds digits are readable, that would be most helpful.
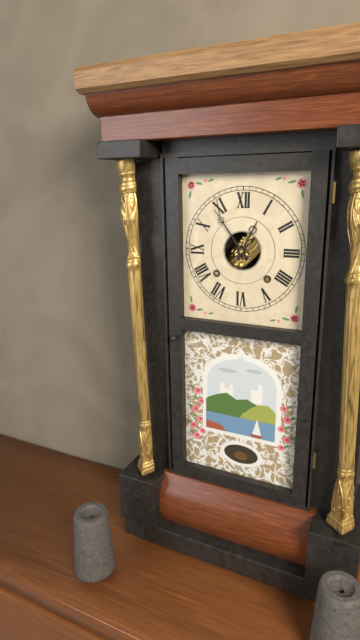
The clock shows 12:54
